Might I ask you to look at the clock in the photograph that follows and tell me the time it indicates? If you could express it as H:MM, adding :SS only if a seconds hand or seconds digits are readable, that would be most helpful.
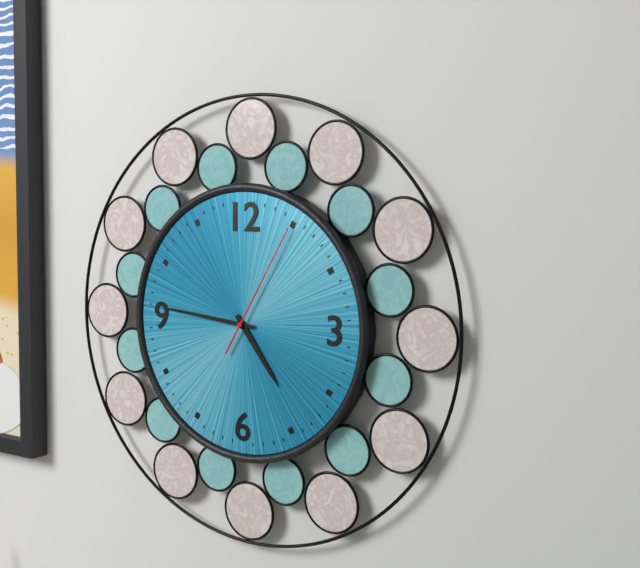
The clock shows 4:46:05
